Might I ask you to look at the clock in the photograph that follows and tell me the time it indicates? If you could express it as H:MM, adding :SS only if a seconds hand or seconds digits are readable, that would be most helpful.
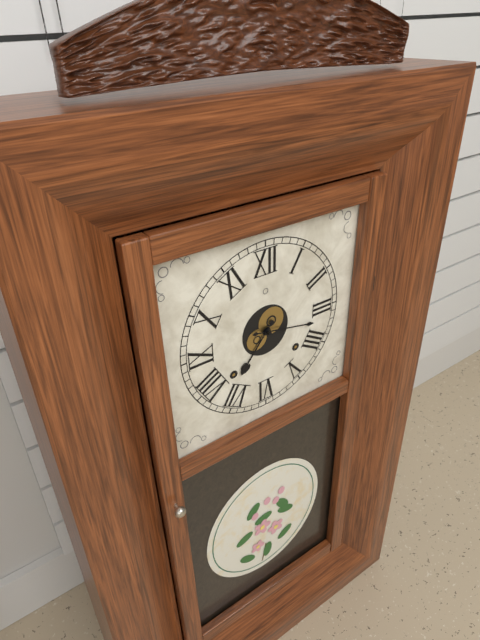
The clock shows 7:17
